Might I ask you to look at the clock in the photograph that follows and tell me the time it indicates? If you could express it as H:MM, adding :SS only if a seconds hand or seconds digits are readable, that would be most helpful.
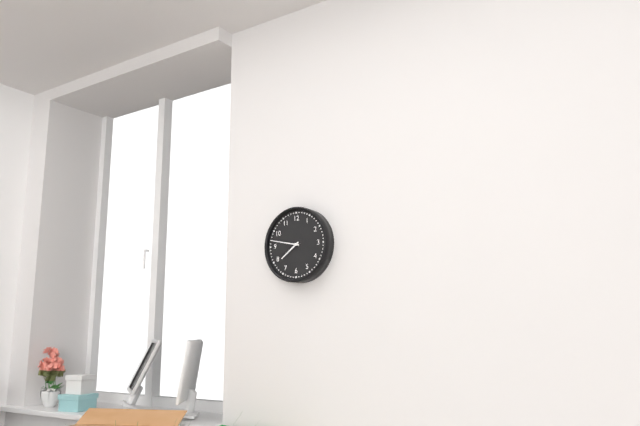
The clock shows 7:47
